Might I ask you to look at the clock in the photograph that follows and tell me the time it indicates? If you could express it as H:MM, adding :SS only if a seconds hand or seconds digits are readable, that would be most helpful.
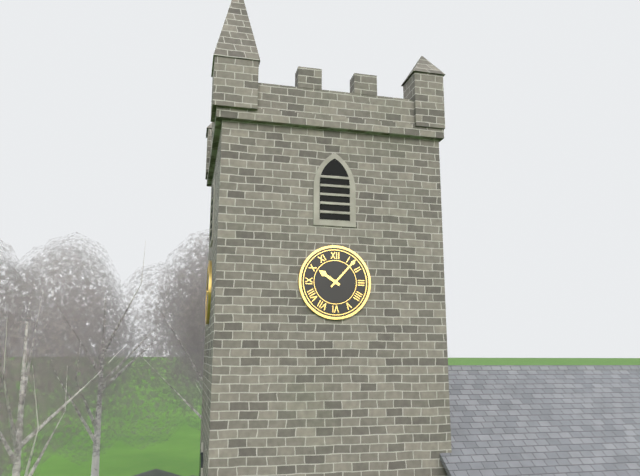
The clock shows 10:07
